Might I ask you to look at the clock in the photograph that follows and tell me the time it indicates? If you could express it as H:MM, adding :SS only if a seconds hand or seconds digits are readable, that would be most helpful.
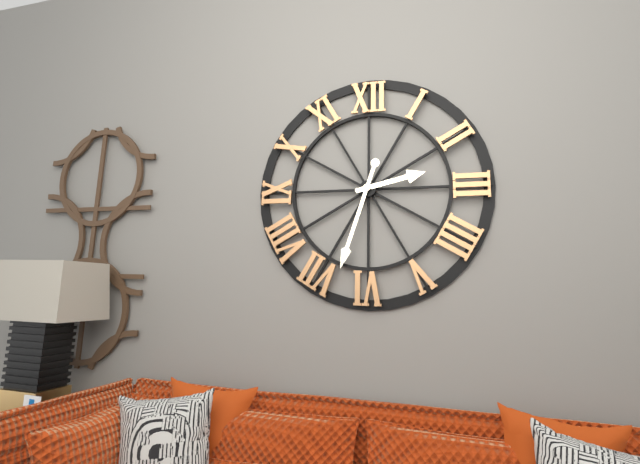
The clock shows 2:33
